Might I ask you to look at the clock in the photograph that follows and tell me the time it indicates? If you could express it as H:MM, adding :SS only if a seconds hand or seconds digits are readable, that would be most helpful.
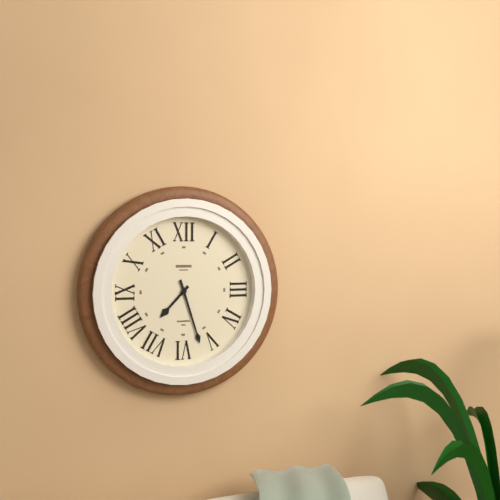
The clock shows 7:27
